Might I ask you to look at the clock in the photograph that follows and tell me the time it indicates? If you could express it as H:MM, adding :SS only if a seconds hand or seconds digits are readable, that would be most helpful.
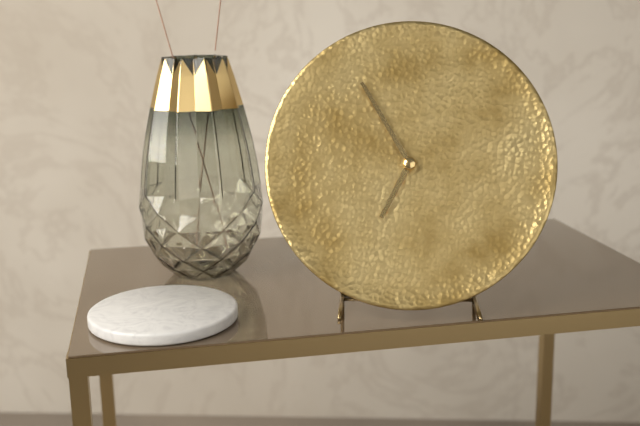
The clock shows 6:55
